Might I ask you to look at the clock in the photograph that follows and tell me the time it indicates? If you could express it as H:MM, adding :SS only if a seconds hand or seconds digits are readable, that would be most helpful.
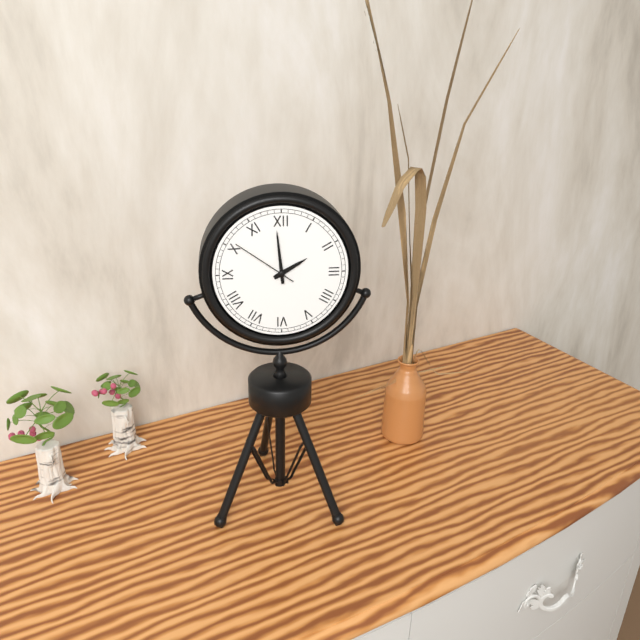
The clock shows 1:59:51
